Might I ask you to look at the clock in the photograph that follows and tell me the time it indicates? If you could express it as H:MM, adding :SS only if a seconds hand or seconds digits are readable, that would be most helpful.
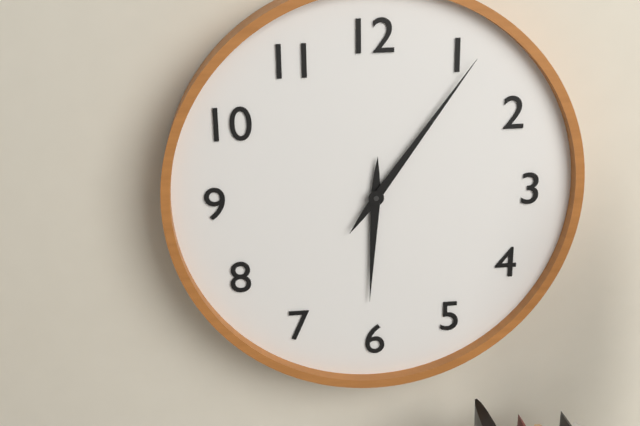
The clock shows 6:06
